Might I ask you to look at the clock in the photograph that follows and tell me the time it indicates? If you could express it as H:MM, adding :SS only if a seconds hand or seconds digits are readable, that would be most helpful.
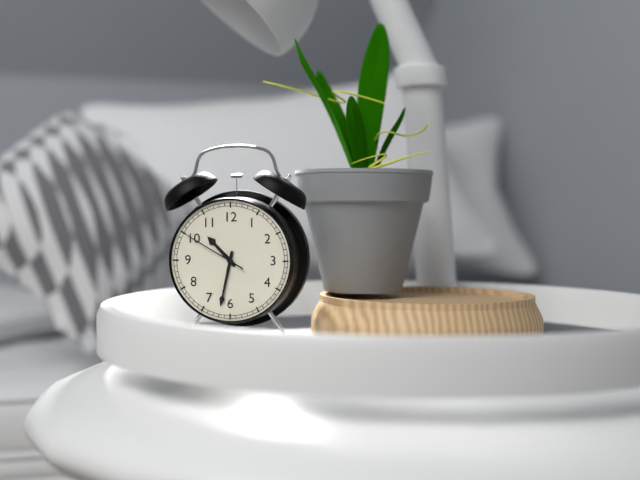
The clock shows 10:32:50
